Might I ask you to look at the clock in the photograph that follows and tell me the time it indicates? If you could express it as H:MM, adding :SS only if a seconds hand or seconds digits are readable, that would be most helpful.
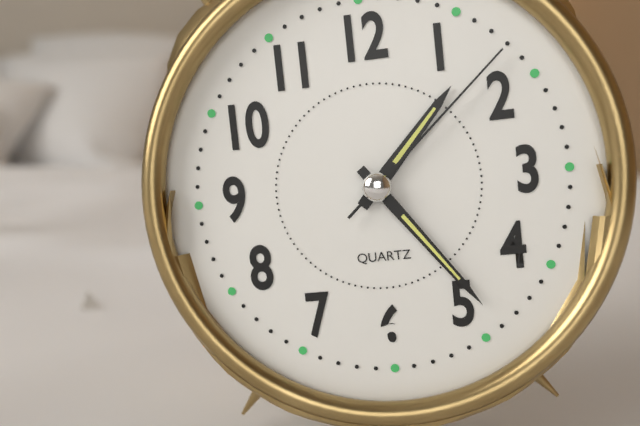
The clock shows 1:24:08
